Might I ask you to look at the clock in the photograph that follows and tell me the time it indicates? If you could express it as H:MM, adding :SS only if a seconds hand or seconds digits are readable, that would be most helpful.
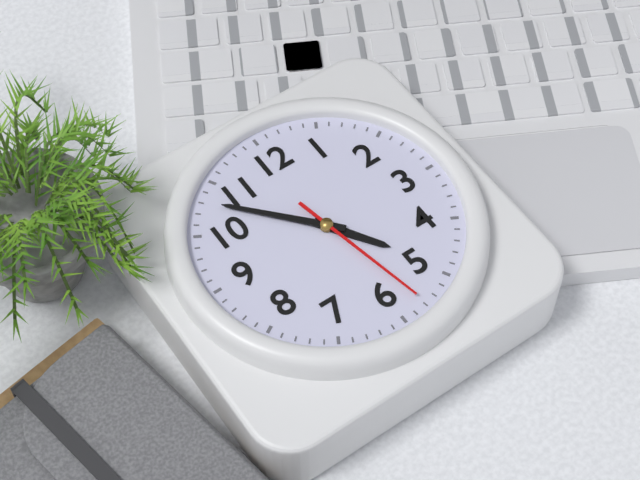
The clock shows 4:53:28
